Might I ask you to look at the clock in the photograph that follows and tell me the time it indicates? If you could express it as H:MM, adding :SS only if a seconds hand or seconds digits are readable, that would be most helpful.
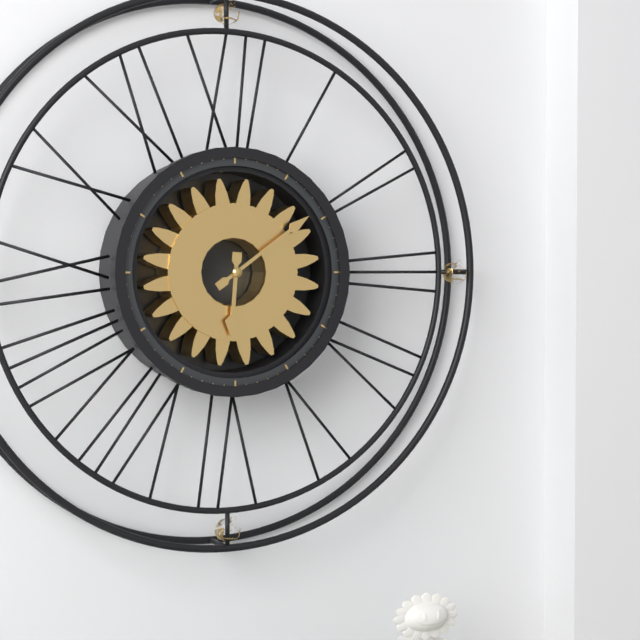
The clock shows 6:09
